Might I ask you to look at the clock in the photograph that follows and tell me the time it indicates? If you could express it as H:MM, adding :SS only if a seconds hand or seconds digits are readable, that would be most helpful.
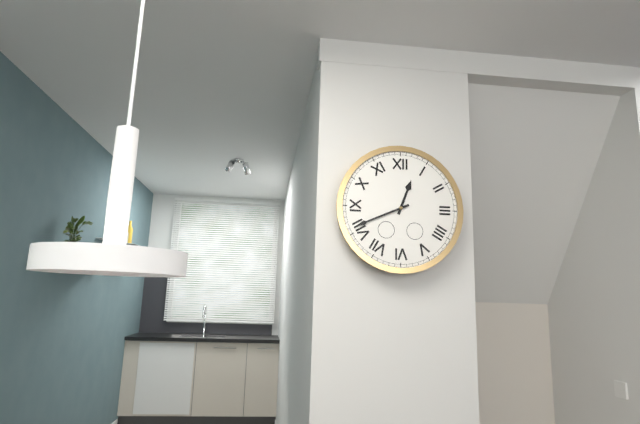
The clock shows 12:41
